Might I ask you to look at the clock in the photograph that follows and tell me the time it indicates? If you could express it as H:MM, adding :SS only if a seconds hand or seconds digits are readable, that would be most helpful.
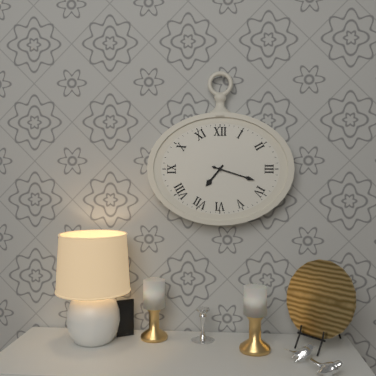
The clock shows 7:18
